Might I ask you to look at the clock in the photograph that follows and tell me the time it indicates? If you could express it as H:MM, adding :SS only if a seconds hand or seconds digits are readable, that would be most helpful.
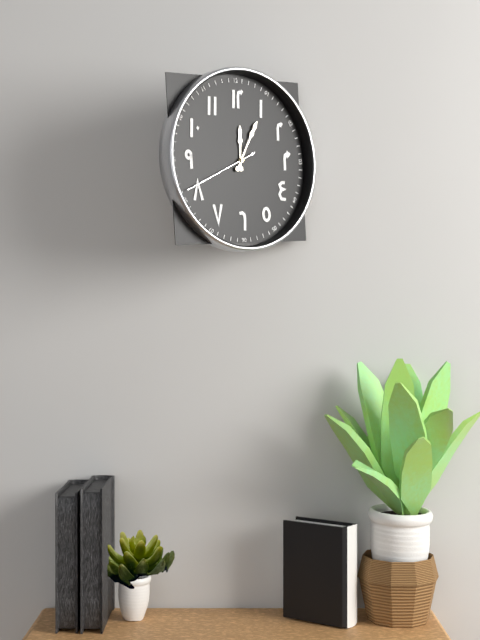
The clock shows 12:05:41
